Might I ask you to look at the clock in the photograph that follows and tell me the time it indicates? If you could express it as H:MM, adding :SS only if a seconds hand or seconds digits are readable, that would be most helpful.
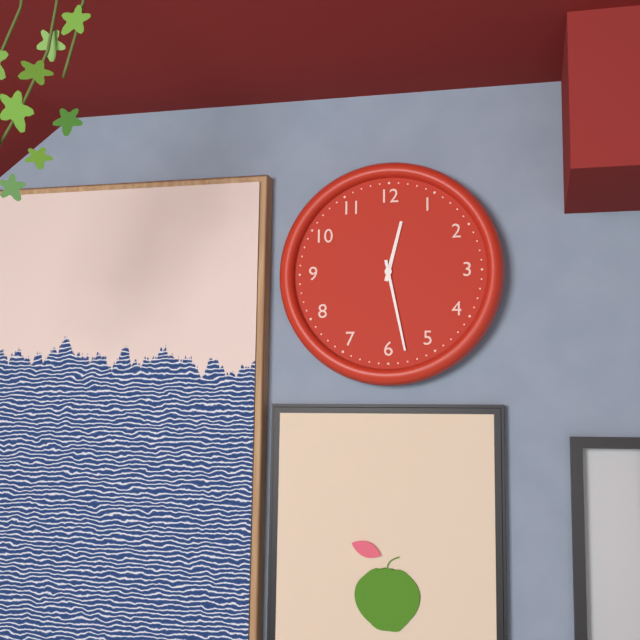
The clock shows 12:28
